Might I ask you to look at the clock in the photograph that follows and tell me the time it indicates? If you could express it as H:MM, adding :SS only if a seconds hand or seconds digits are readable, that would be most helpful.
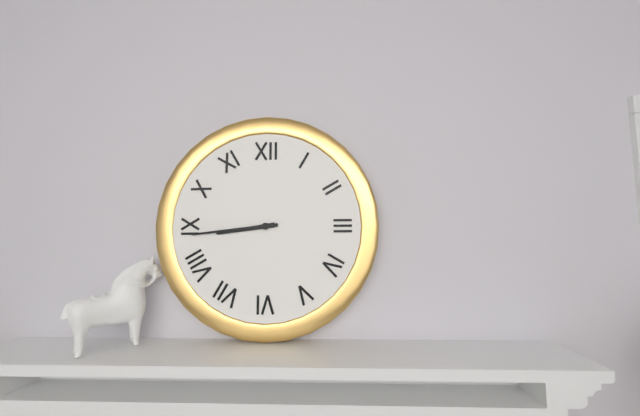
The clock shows 8:44
